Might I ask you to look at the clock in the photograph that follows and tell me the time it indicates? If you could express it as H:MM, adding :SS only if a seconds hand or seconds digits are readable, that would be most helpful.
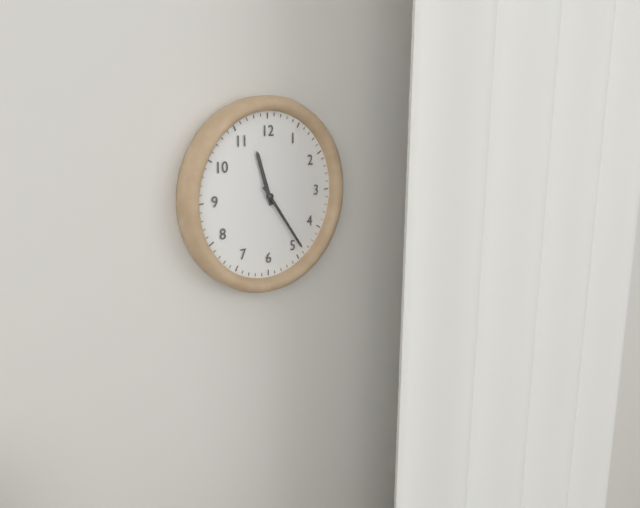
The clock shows 11:24
